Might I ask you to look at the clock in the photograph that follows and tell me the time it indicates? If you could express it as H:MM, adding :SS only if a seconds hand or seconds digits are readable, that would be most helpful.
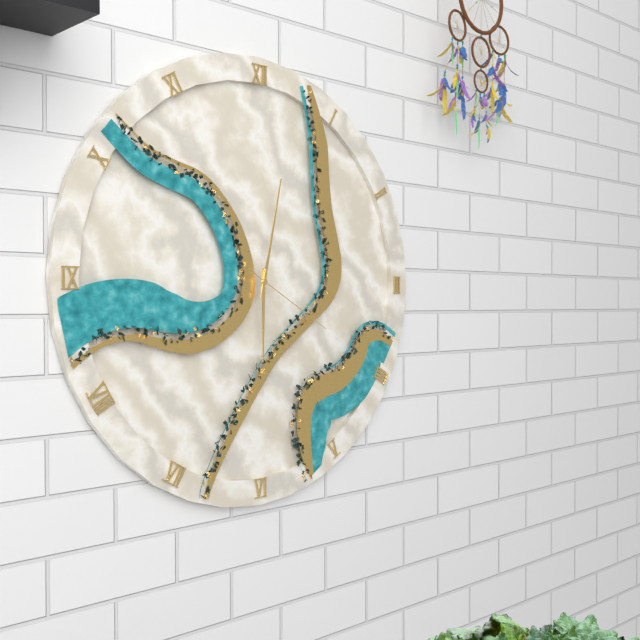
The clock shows 6:02:20
